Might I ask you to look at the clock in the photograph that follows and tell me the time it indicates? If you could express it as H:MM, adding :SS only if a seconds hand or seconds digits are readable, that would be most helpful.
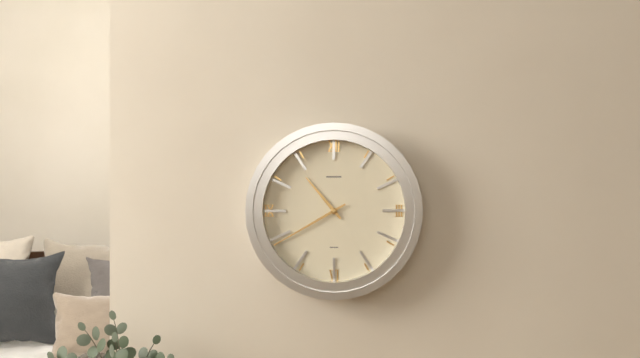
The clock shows 10:40
